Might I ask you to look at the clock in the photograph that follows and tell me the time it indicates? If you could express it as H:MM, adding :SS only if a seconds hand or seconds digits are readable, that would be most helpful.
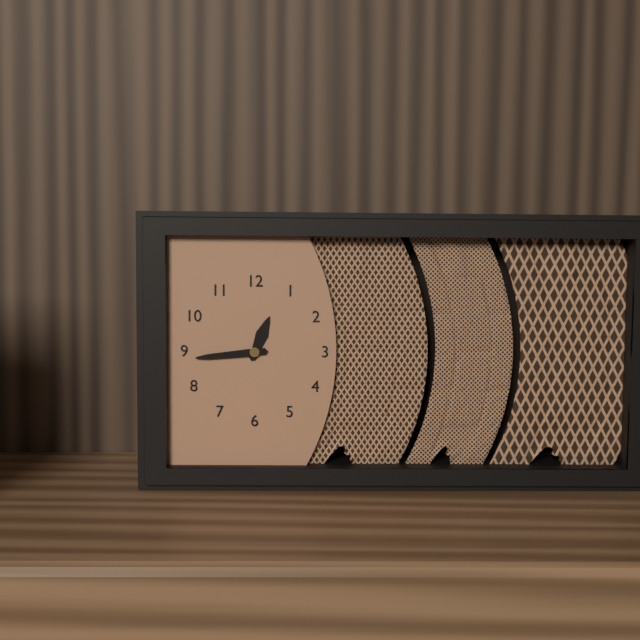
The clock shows 12:44
